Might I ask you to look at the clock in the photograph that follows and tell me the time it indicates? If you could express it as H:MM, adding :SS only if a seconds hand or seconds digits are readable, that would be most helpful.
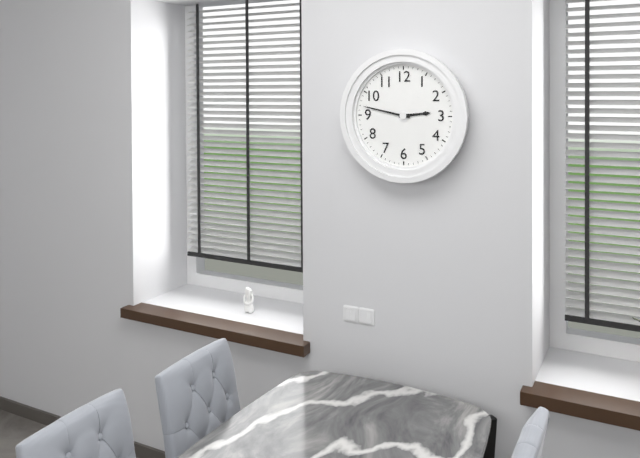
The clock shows 2:47
